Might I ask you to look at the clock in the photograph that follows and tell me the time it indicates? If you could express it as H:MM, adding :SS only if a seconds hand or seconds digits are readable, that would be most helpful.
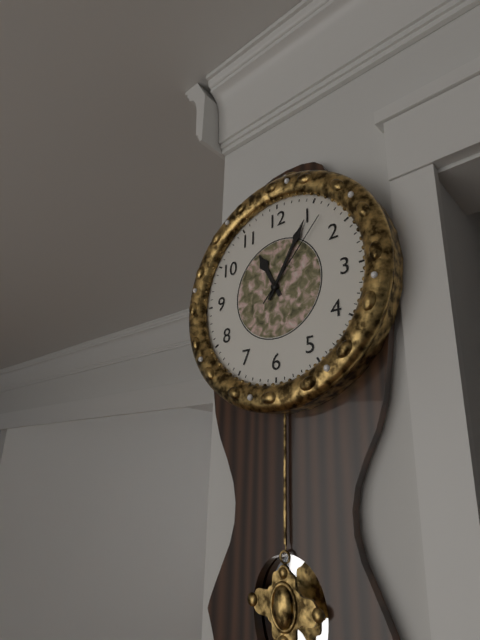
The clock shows 11:05:07
